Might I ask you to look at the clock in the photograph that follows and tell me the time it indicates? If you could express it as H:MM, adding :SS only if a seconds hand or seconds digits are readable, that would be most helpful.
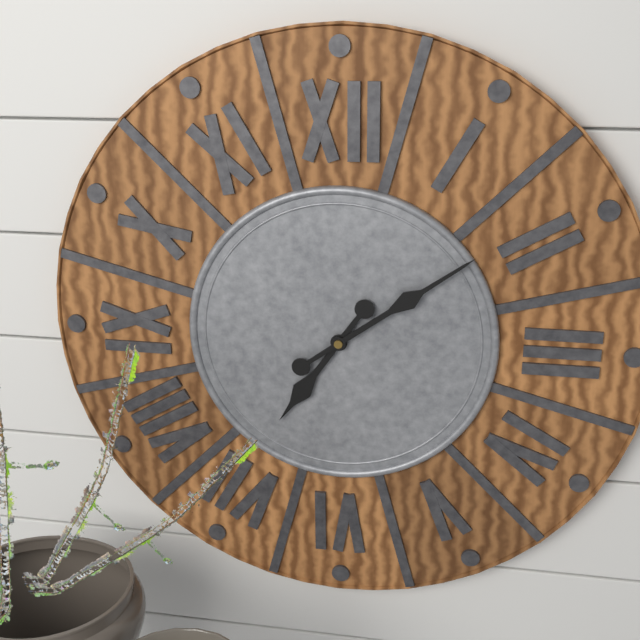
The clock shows 7:09
